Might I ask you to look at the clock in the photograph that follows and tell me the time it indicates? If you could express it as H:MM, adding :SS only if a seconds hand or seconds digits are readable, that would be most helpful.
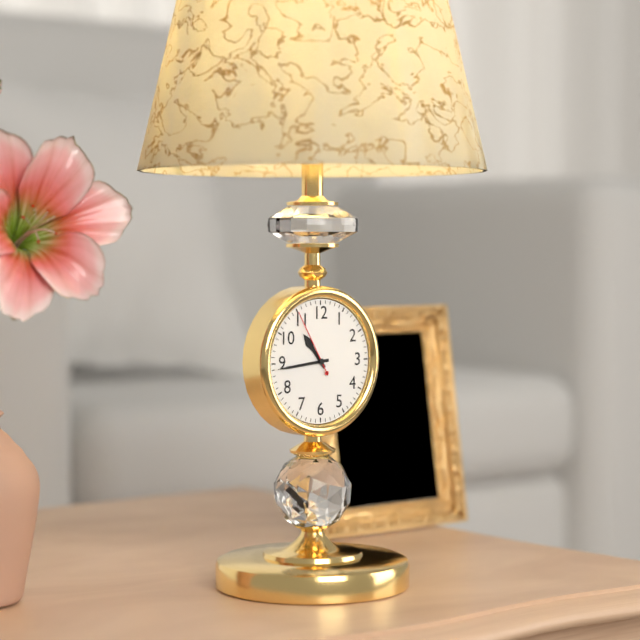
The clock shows 10:44:55
